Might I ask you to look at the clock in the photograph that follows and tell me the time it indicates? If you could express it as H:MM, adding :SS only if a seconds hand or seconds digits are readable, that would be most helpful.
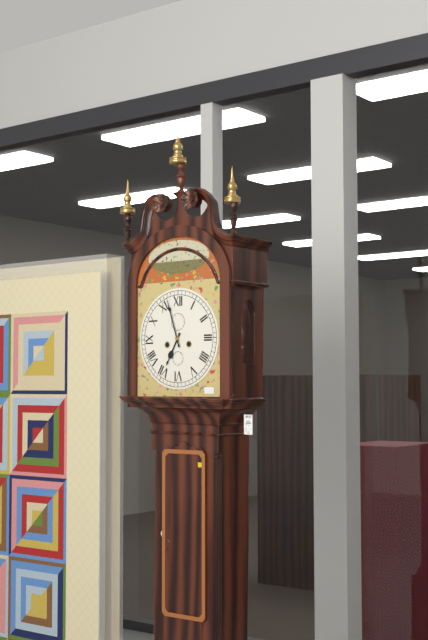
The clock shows 6:57
